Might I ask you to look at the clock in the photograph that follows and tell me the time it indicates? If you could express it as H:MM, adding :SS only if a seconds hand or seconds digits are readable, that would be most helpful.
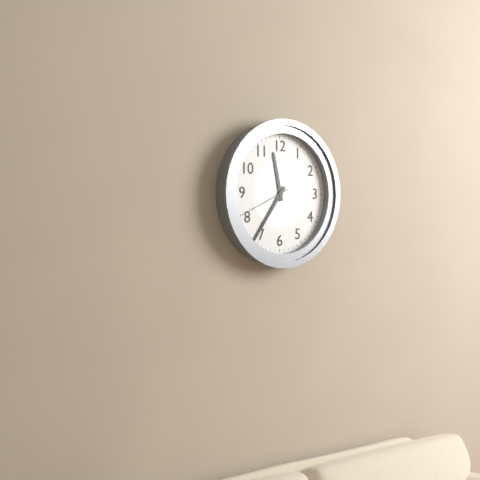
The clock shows 11:36:41
